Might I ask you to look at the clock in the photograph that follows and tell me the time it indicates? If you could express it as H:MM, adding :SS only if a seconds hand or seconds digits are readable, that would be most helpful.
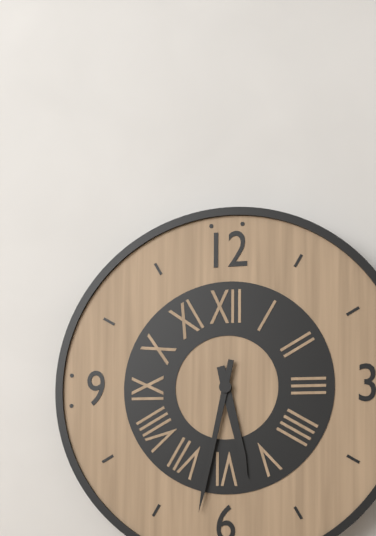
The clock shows 5:32
